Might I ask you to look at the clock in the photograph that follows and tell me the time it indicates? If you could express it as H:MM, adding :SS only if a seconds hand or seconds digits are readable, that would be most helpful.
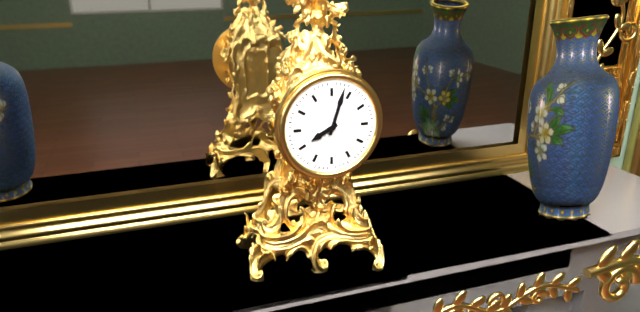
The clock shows 8:03
